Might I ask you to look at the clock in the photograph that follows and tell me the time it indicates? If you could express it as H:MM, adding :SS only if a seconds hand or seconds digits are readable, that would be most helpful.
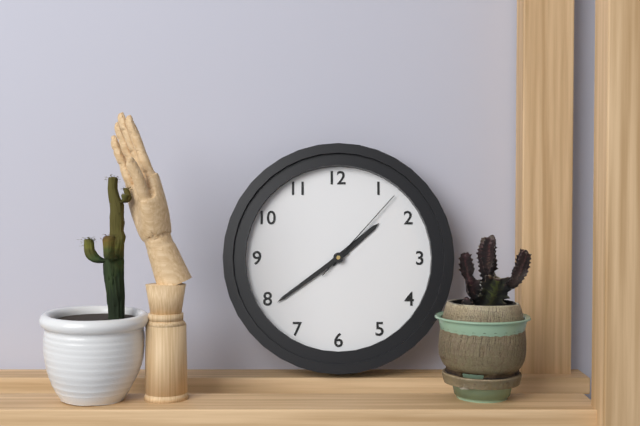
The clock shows 1:39:07
